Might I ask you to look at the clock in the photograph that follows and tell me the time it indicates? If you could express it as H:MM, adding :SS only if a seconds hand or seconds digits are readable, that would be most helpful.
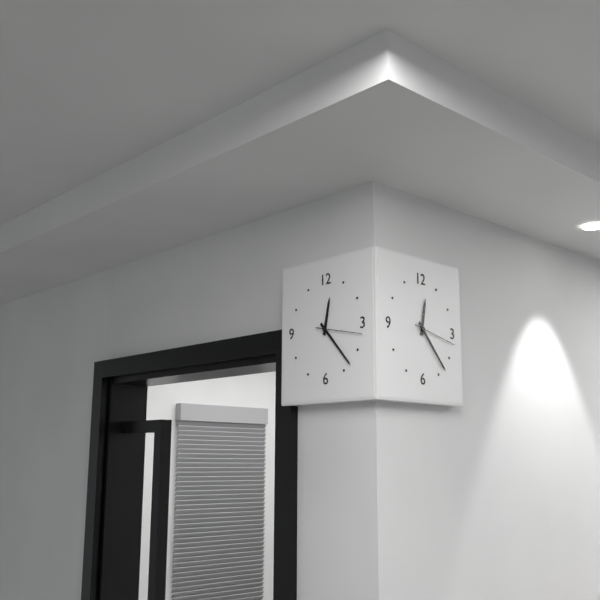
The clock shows 12:23
